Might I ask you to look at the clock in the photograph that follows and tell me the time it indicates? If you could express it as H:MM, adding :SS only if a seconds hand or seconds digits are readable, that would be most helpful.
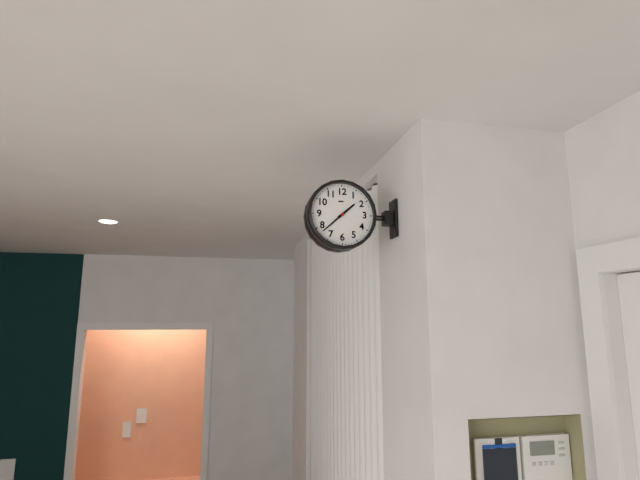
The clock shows 1:38
